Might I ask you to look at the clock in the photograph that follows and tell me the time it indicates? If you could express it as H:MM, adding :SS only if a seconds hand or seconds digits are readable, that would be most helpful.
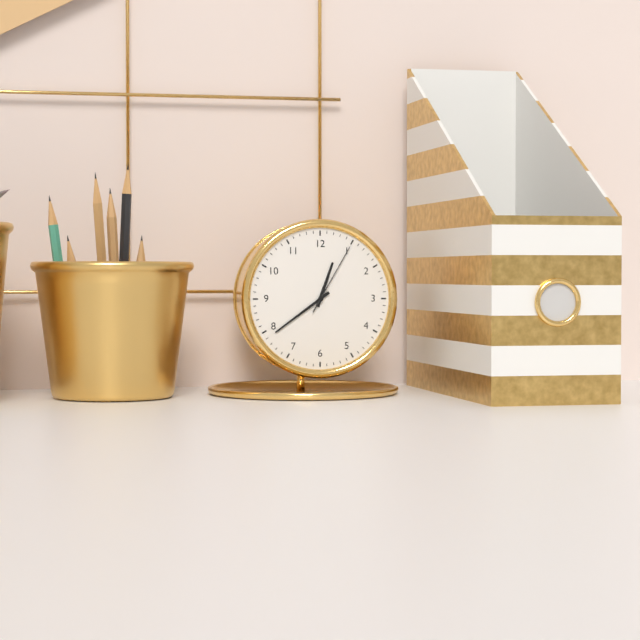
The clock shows 12:39:05
